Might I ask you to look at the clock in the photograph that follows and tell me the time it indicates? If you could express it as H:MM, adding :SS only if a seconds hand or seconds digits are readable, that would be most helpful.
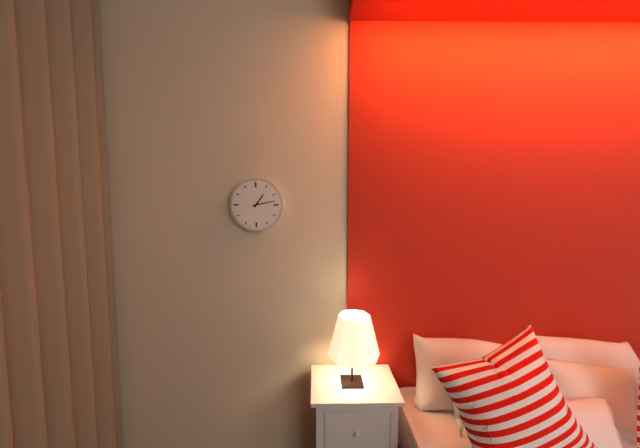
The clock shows 1:13
